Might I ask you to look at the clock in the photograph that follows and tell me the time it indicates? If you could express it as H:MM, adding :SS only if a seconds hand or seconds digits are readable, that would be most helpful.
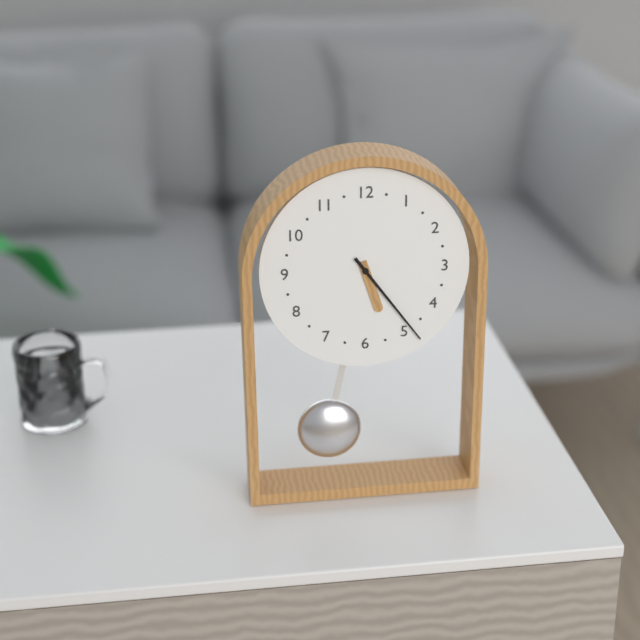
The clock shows 5:24
